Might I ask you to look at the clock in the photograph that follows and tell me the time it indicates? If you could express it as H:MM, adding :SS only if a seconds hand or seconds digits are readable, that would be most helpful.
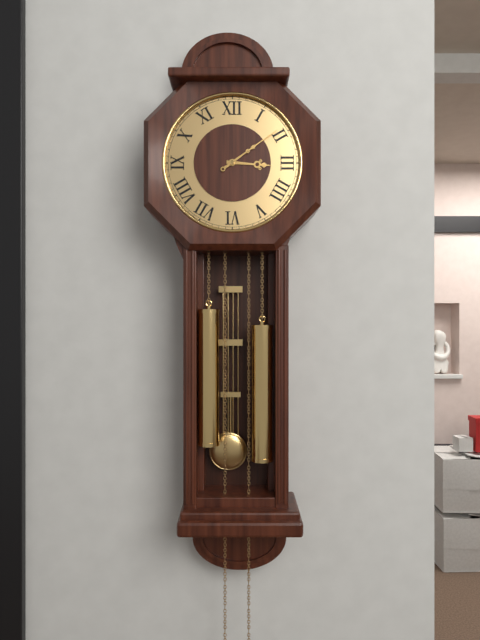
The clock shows 3:09
